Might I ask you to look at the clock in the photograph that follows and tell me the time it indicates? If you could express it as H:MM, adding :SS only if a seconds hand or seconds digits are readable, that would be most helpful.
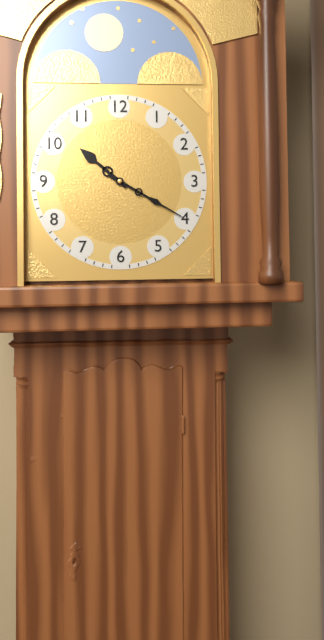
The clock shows 10:20
